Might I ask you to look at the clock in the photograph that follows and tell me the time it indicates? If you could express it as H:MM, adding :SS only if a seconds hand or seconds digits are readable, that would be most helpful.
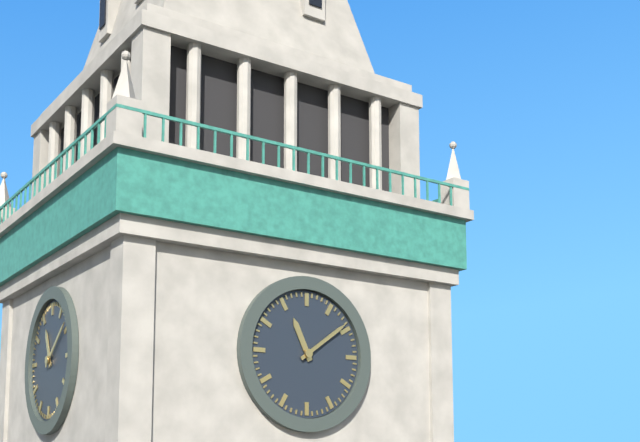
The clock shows 11:09
